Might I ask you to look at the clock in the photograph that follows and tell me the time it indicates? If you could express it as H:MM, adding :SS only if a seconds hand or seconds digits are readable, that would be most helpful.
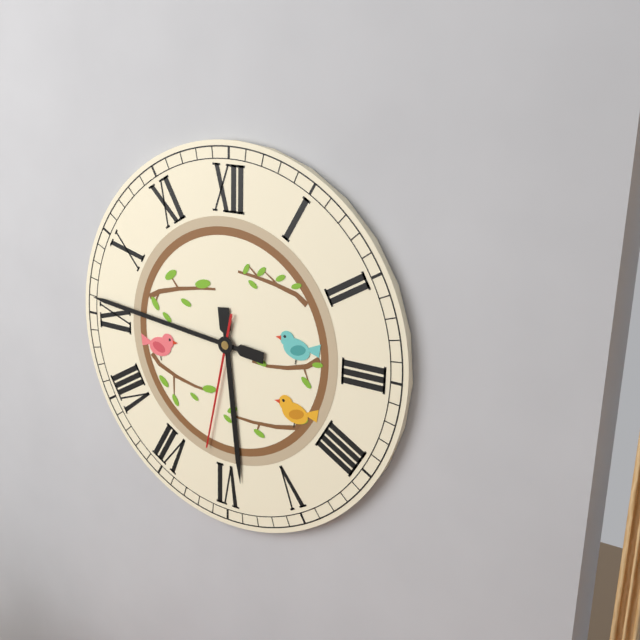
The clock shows 5:46:32
